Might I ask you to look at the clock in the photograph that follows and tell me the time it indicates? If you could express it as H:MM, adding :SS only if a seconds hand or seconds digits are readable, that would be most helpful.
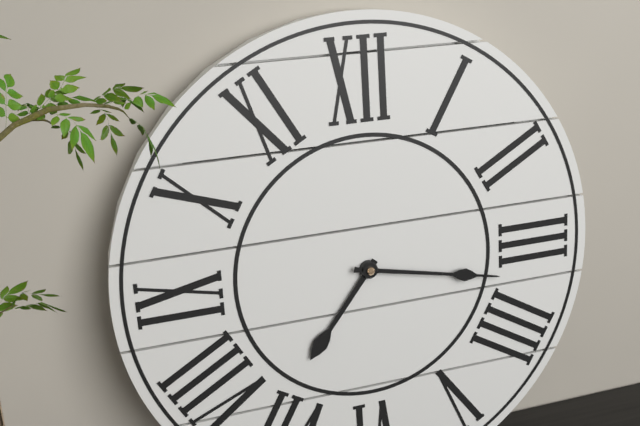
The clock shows 7:17
